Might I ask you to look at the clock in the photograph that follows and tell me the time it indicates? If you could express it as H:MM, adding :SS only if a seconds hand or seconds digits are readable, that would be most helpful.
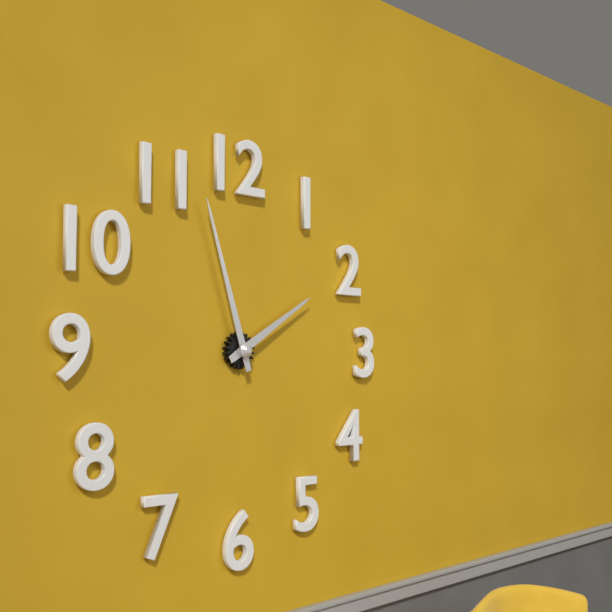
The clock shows 1:57
